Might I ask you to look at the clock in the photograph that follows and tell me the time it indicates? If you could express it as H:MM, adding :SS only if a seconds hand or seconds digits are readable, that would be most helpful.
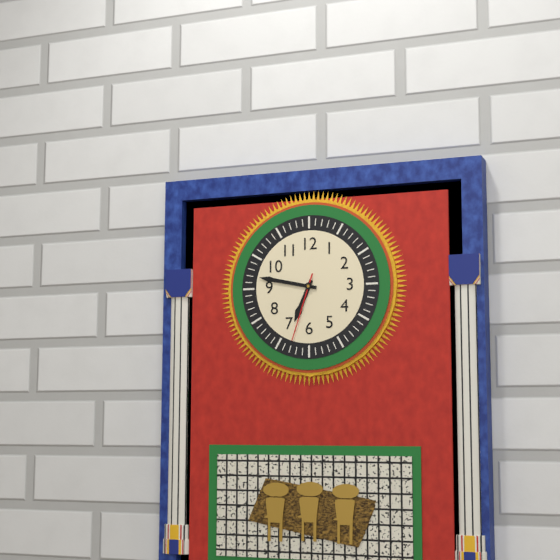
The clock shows 6:47:33
